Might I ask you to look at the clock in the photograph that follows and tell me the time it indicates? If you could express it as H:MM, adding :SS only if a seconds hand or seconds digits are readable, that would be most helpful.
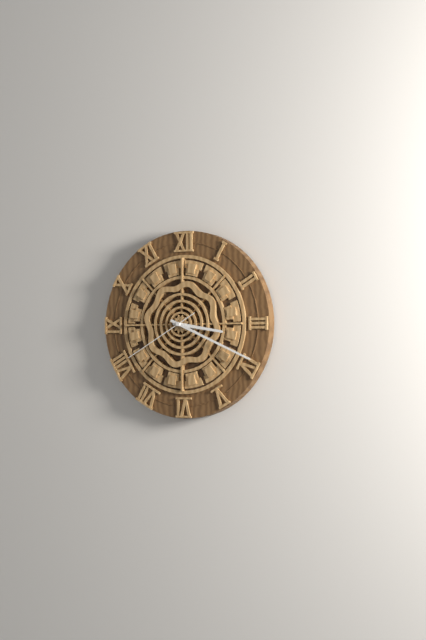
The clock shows 3:19:40
